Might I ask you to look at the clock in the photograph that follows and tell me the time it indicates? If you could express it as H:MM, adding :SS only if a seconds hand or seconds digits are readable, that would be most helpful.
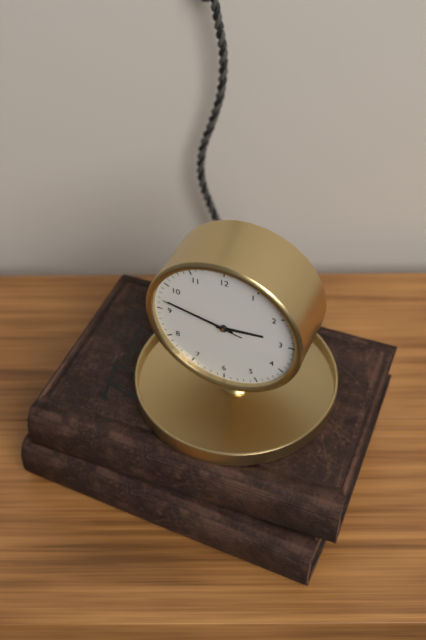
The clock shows 2:47:47
